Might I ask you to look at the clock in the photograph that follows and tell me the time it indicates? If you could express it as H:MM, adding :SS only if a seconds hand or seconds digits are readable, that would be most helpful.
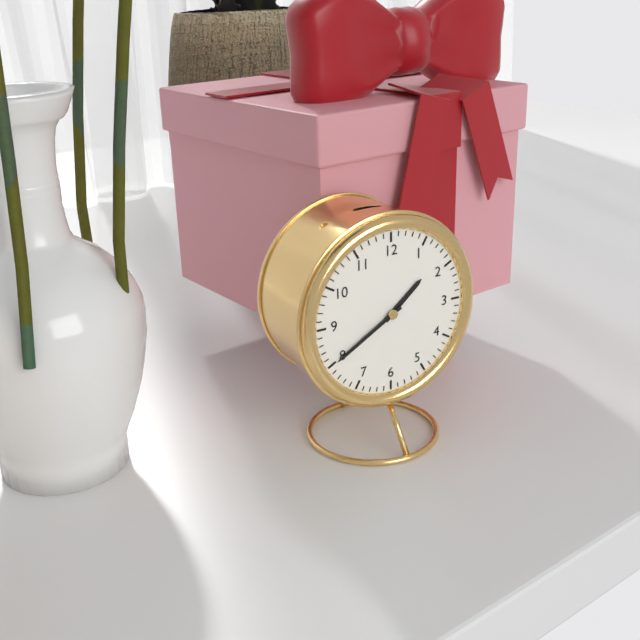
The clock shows 1:40
